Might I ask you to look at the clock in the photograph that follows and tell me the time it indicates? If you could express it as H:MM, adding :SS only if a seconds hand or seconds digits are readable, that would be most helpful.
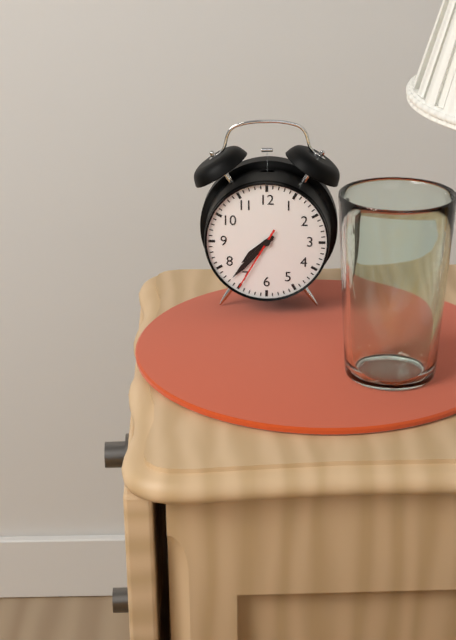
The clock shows 7:37:35
